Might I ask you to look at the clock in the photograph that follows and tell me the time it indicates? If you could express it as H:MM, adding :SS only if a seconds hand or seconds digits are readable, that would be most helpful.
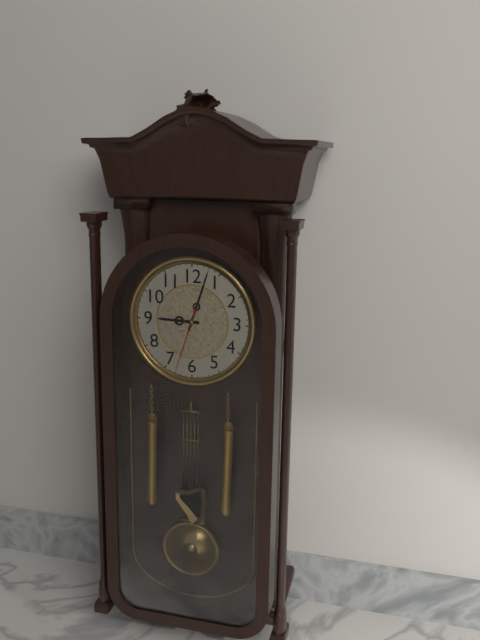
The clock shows 9:03:33
